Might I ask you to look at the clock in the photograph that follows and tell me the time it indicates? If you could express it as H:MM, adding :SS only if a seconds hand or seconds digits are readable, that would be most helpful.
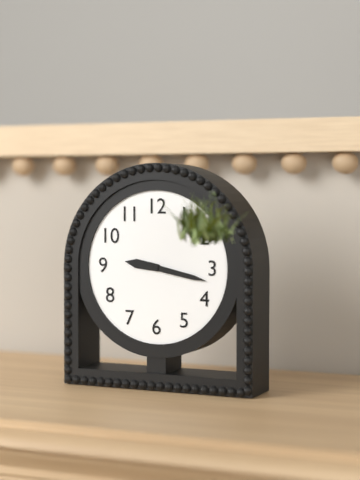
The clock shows 9:17
